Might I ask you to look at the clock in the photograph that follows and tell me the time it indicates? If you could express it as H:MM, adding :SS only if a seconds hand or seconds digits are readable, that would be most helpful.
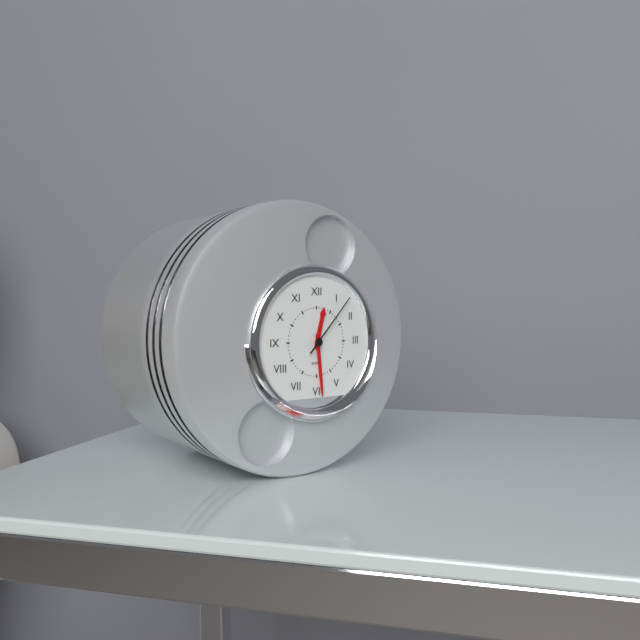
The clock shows 12:29:07
